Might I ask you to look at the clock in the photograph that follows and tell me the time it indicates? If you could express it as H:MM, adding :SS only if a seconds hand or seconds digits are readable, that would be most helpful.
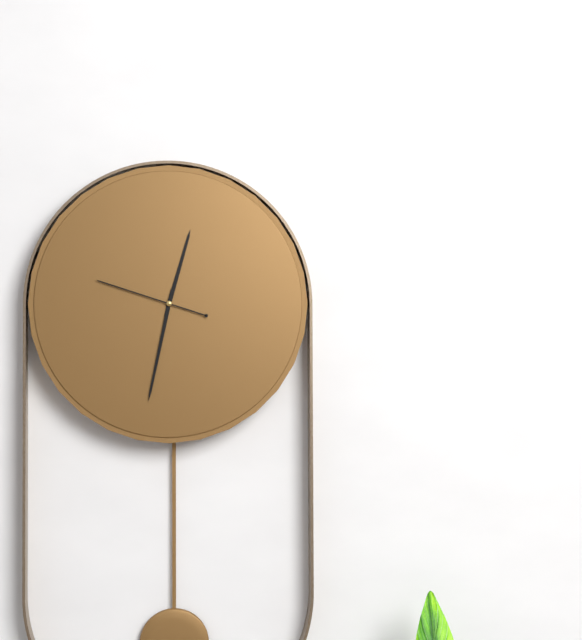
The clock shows 12:32:48
